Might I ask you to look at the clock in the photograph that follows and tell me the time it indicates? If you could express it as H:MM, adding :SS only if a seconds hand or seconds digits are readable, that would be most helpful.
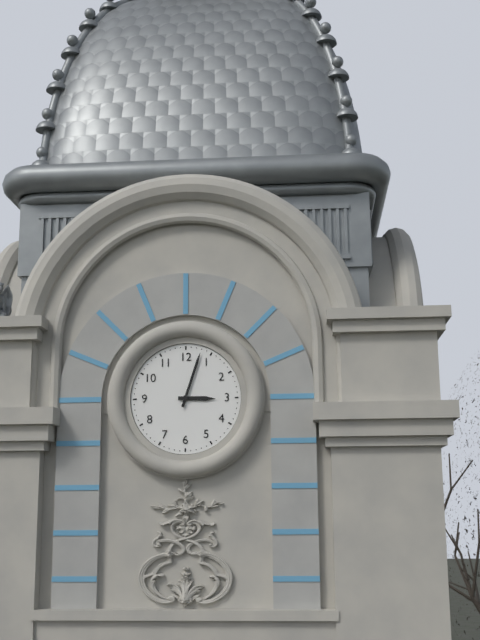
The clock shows 3:03
